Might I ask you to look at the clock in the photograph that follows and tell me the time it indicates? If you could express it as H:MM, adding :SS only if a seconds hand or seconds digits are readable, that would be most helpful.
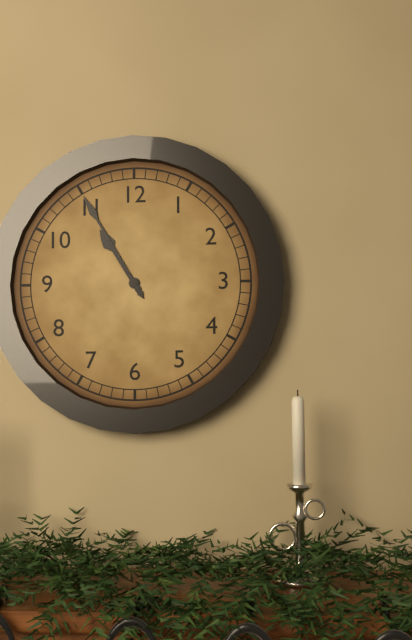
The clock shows 10:55
